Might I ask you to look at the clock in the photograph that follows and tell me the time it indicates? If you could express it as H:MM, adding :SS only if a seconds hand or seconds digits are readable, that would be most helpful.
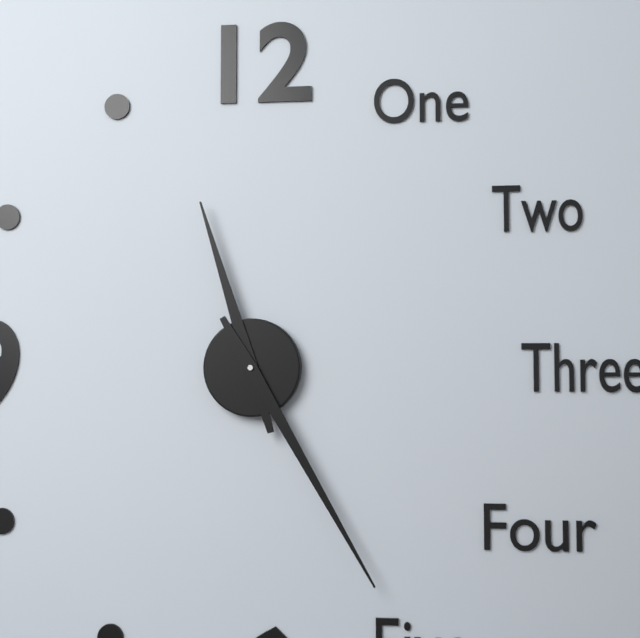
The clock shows 11:25
